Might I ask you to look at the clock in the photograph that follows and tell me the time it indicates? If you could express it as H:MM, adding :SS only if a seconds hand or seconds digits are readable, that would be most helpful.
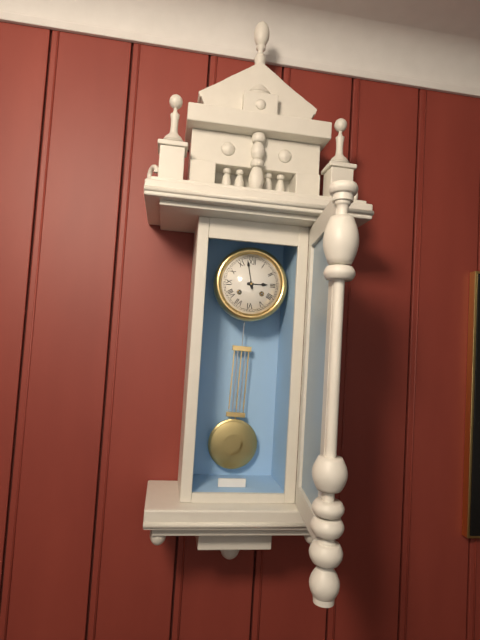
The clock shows 2:58
